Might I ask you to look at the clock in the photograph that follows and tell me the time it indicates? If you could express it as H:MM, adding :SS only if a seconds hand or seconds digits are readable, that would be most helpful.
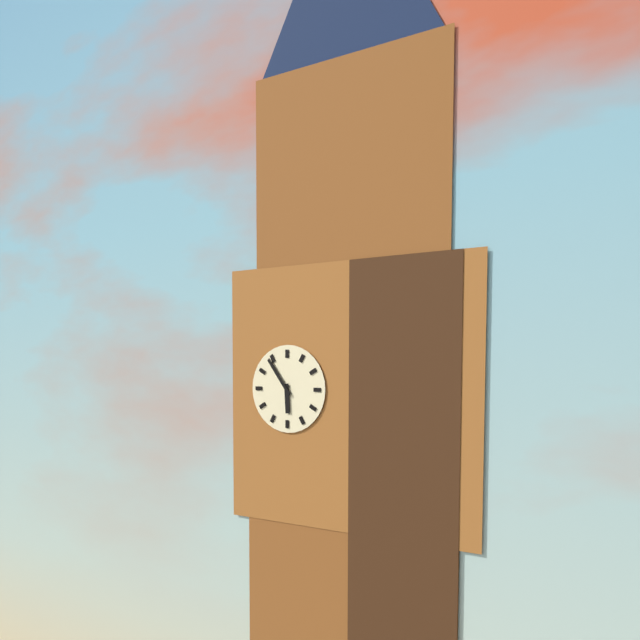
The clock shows 5:54
